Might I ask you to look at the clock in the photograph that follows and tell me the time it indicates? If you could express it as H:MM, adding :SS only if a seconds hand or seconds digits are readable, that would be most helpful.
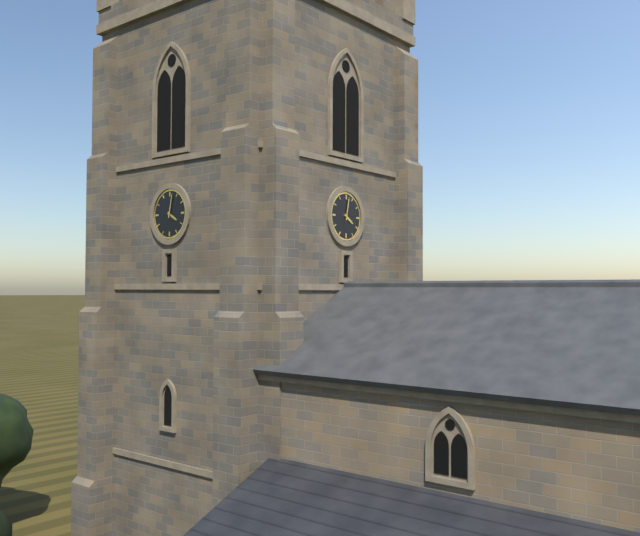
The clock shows 4:02
